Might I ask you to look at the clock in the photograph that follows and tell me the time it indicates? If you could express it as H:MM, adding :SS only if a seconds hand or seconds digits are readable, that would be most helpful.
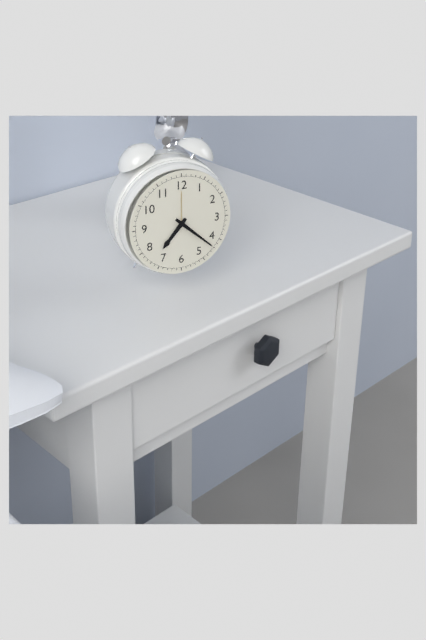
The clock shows 7:22
